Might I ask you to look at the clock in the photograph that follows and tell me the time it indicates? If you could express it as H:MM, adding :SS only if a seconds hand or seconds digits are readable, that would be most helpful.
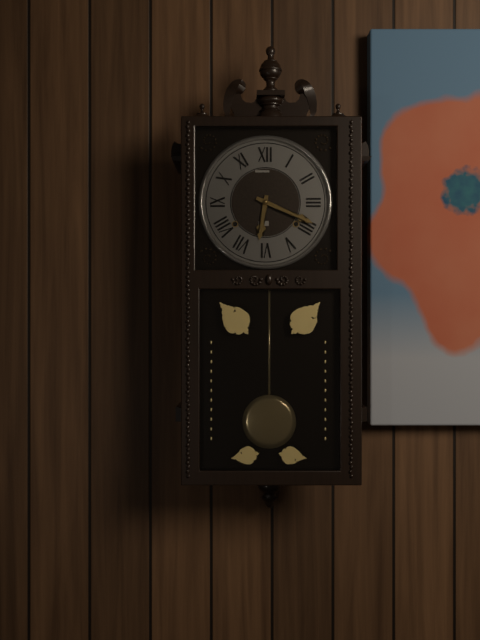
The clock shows 6:19
